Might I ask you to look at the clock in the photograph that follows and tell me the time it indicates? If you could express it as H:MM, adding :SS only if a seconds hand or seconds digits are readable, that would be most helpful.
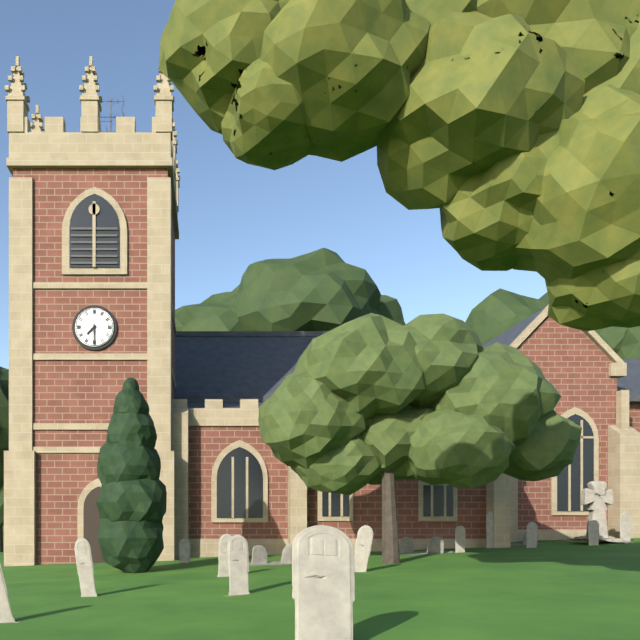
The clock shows 7:30
